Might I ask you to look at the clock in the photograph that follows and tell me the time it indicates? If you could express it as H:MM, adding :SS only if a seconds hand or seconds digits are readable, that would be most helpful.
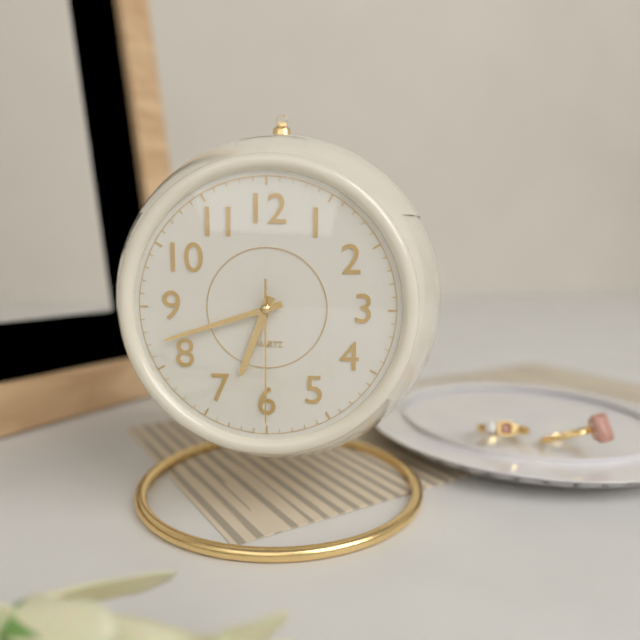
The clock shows 6:42:30
